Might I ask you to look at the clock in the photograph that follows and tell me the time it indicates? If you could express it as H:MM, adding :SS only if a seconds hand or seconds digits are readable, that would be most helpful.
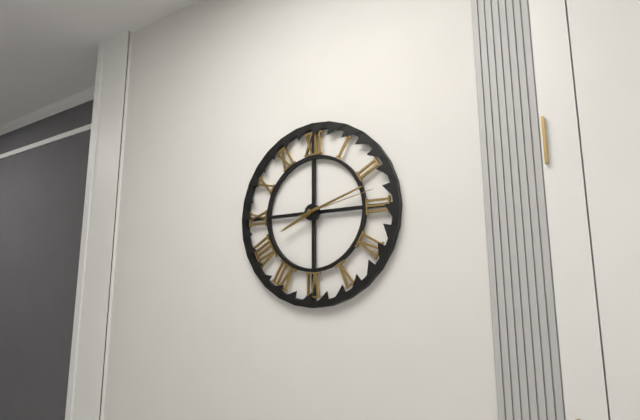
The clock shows 8:12:13
